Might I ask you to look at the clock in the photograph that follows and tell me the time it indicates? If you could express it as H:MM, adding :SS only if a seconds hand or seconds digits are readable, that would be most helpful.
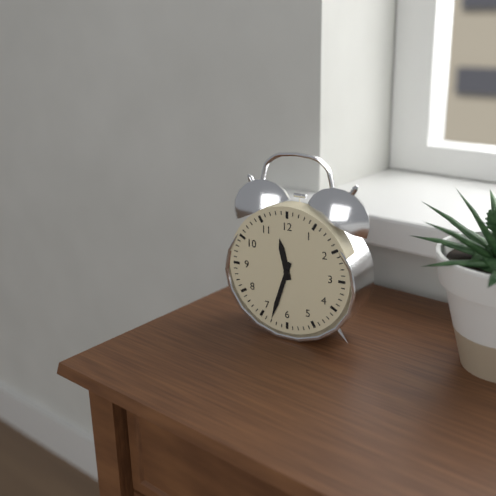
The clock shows 11:33
